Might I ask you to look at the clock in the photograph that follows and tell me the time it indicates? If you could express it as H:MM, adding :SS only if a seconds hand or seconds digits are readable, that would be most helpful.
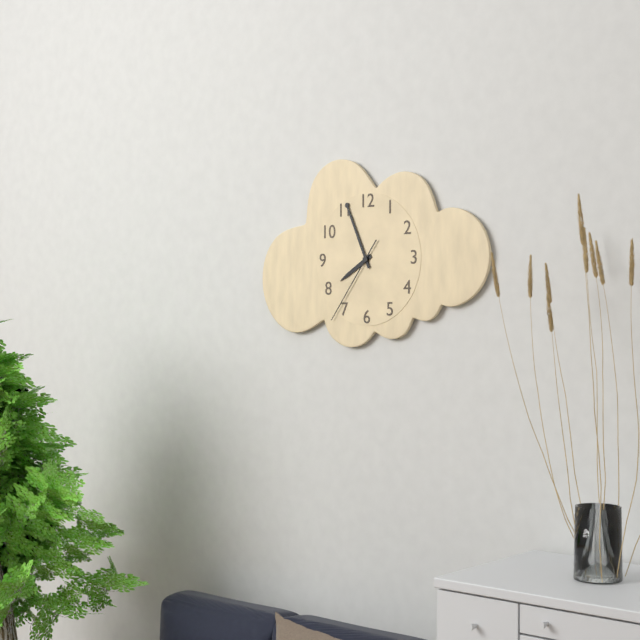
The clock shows 7:56:36
